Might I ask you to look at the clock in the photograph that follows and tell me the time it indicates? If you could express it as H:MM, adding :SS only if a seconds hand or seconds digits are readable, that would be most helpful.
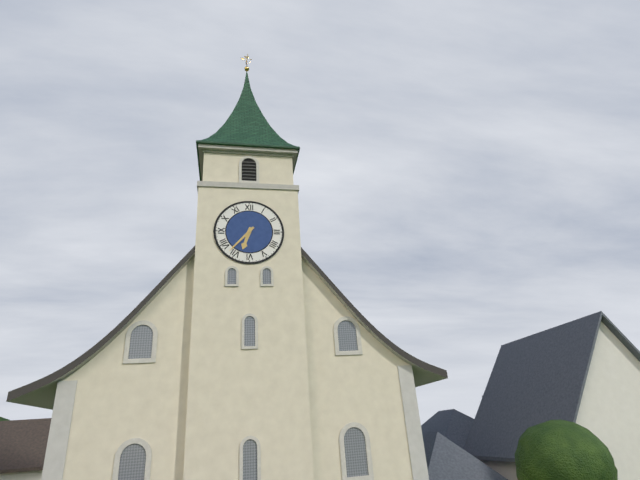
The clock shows 6:37
